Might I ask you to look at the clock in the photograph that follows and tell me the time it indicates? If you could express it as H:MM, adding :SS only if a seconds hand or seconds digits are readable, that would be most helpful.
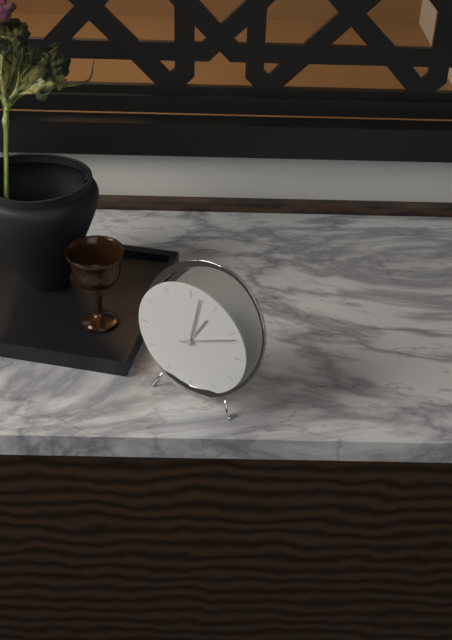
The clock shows 1:02:11
